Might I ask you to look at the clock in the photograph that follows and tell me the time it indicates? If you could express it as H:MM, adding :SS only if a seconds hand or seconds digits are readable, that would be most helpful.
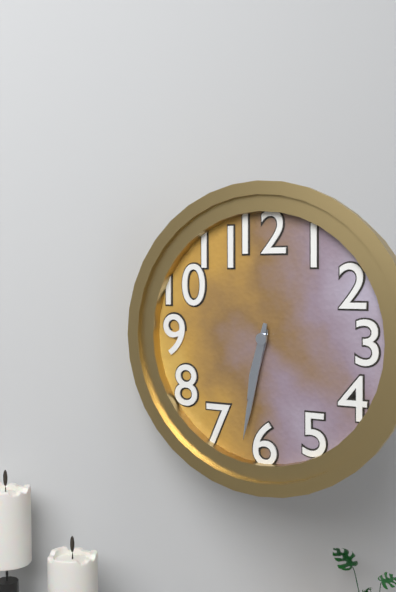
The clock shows 6:32
